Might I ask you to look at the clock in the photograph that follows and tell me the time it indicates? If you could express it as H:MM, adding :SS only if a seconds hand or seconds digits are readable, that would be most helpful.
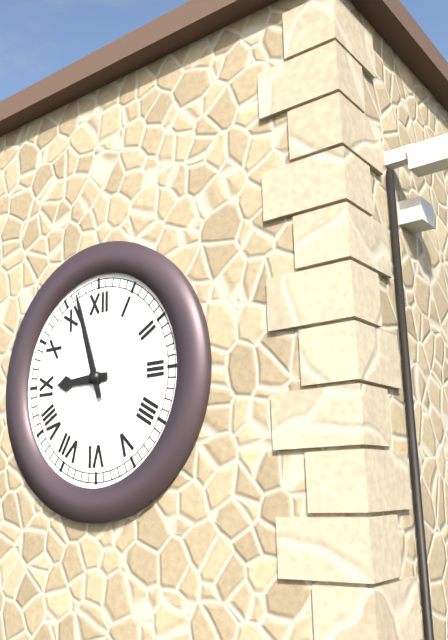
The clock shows 8:57
